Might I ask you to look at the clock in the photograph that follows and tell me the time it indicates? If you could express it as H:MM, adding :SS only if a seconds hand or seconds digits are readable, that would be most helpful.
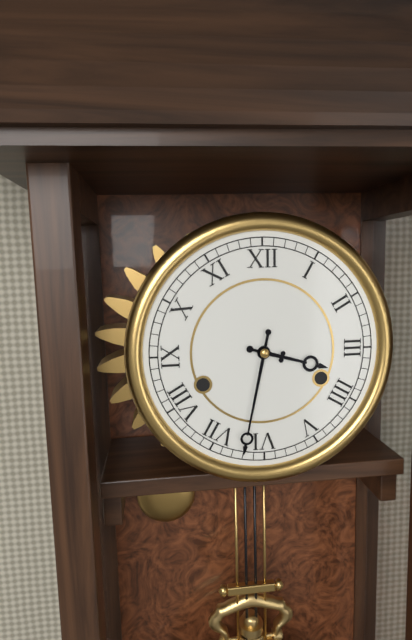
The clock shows 3:32
